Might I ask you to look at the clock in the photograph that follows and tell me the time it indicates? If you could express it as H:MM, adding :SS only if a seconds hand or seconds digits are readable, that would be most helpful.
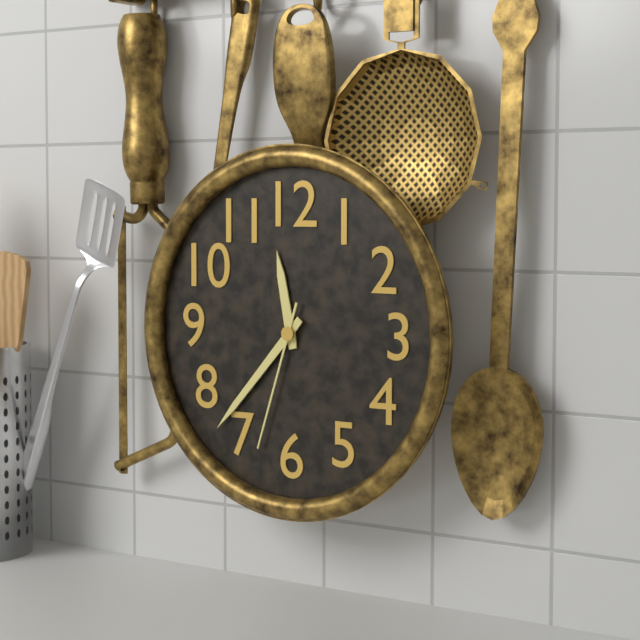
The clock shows 11:37:33
